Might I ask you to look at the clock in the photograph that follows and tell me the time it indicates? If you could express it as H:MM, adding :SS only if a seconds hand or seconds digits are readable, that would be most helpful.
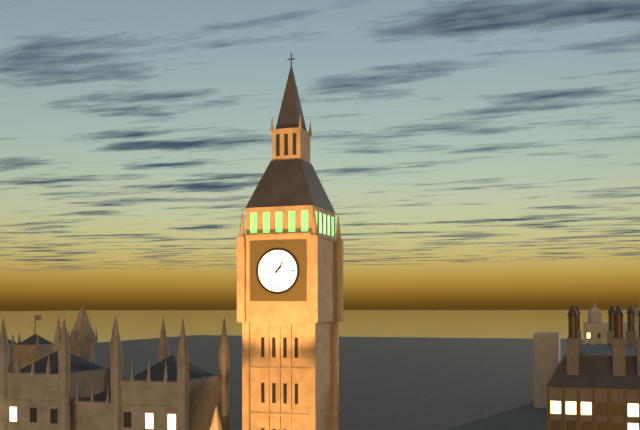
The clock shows 1:09
